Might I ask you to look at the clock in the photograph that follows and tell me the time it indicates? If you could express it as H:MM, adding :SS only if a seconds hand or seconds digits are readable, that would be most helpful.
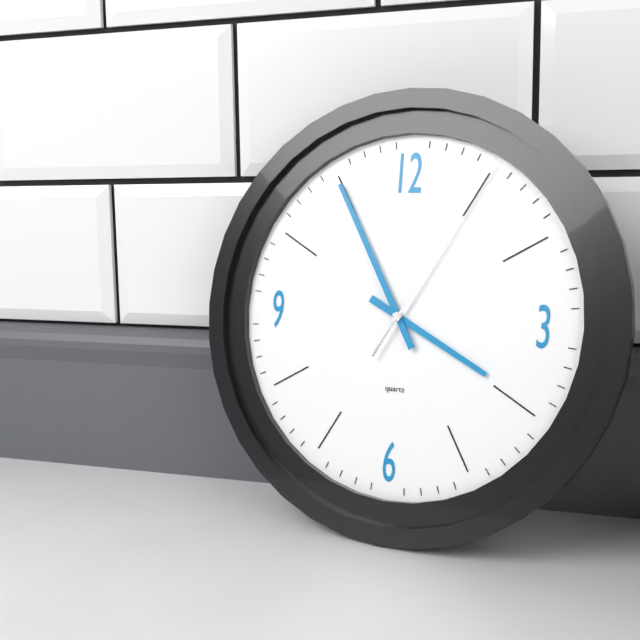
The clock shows 3:55:05
